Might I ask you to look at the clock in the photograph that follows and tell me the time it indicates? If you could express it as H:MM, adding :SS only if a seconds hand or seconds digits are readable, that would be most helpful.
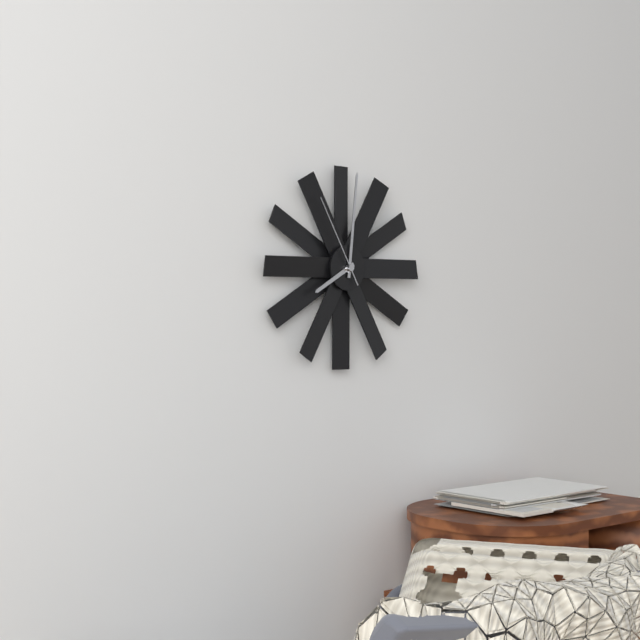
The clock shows 8:01:55
